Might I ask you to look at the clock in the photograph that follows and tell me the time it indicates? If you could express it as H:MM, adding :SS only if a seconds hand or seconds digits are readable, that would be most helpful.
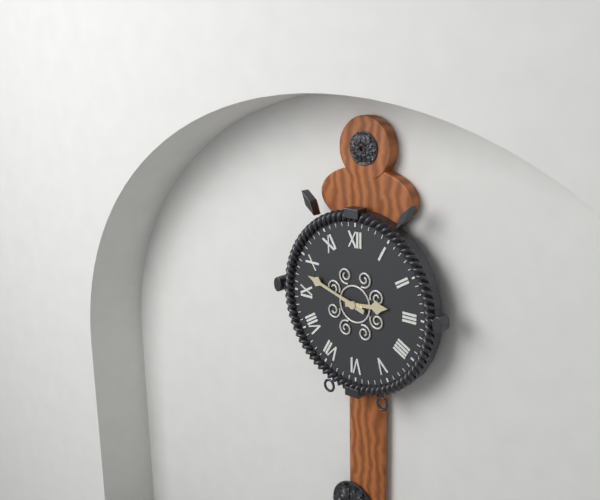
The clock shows 2:48
